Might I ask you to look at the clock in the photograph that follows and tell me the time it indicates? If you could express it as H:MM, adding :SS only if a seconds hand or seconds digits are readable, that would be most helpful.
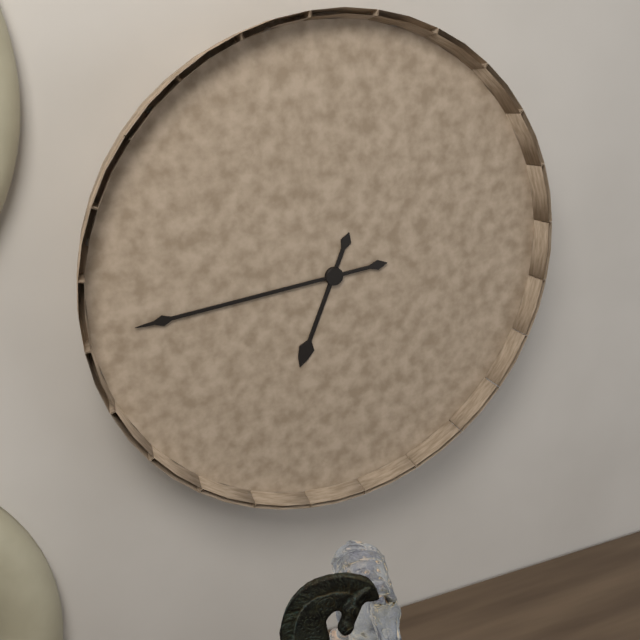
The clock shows 6:44
